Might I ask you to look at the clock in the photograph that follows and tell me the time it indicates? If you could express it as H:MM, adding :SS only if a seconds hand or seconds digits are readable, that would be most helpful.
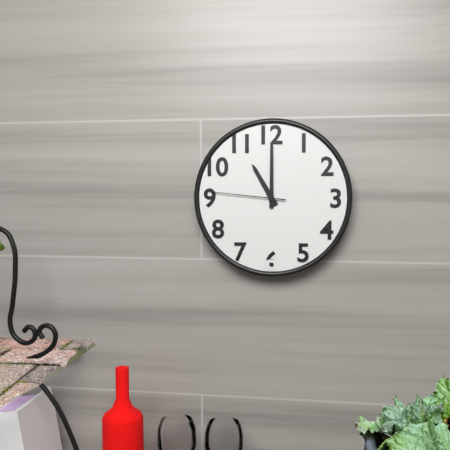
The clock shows 11:00:46
